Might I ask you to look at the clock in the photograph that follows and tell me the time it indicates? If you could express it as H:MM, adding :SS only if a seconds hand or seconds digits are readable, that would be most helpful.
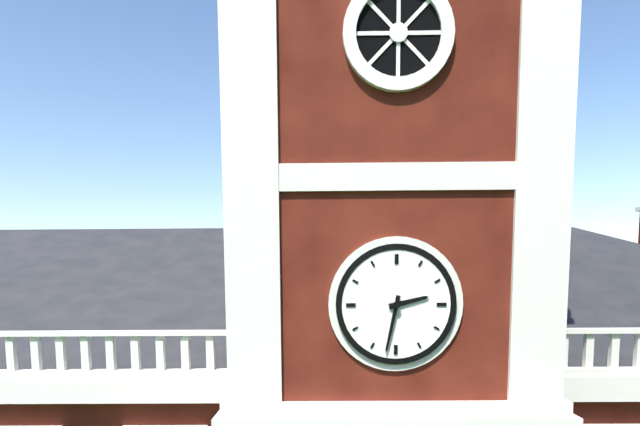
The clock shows 2:32
